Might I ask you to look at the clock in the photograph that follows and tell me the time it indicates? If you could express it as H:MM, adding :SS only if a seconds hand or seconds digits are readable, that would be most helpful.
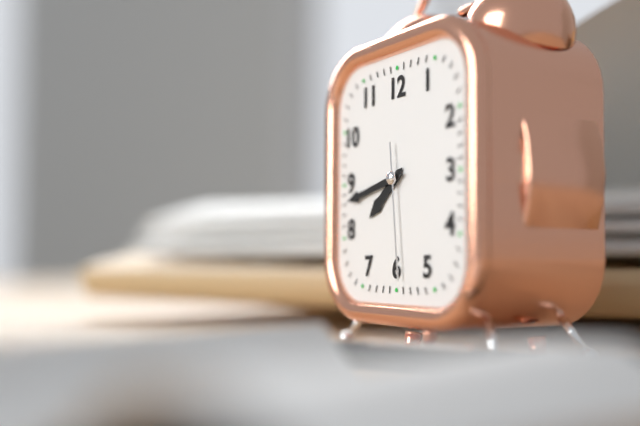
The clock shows 7:43:29
